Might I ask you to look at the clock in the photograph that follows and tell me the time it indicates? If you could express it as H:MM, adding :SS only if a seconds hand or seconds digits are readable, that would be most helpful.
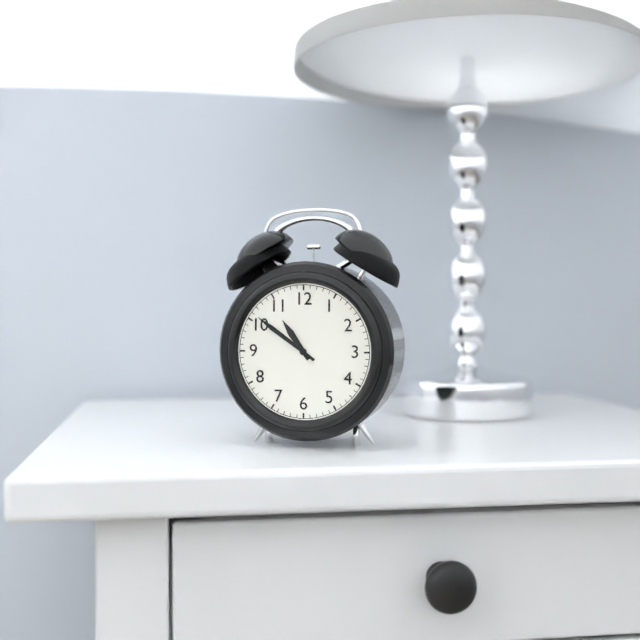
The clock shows 10:51
